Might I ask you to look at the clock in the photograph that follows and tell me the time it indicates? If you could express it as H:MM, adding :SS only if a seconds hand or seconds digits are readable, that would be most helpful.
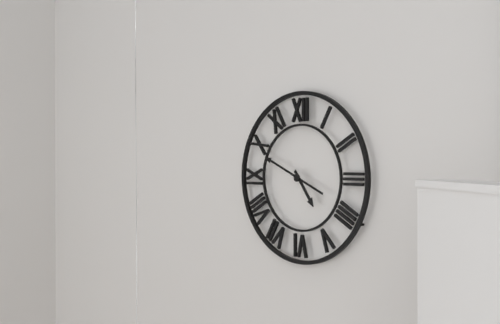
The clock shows 4:49
